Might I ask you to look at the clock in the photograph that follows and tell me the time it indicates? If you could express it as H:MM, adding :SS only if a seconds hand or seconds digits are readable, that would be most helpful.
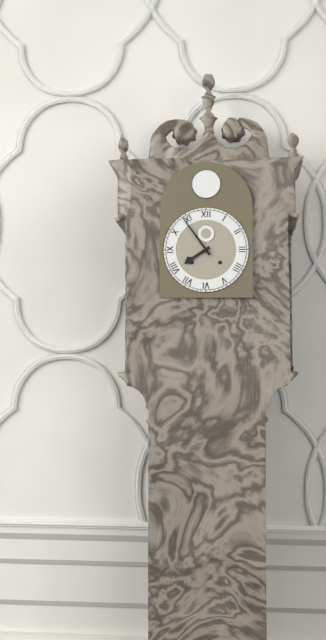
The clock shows 7:54
